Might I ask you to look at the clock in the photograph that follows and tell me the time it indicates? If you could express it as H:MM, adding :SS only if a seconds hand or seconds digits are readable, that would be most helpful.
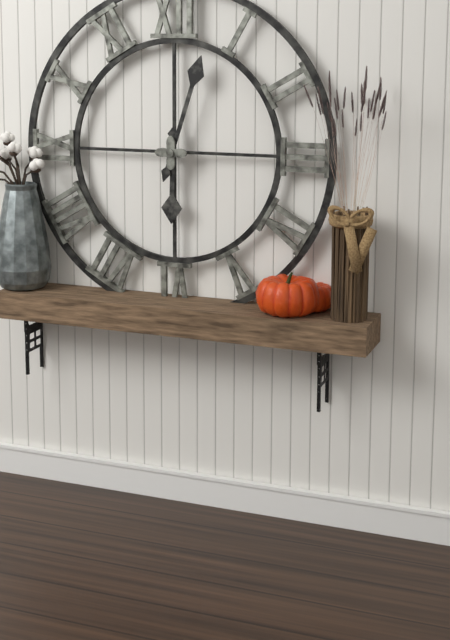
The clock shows 6:03
